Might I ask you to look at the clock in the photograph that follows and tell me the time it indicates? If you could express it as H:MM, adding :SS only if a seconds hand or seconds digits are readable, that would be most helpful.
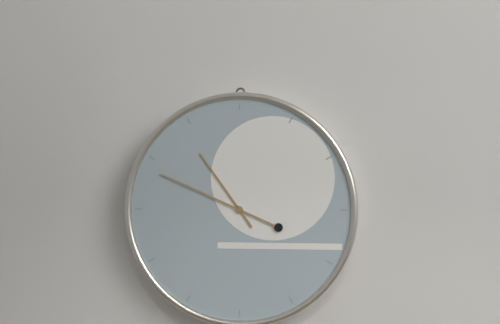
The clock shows 10:49
